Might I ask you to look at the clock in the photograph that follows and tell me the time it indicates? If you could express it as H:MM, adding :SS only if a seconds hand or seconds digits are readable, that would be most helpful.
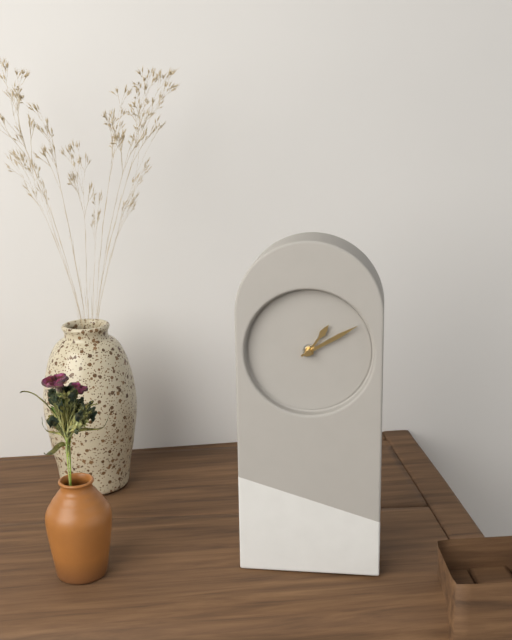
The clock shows 1:10
